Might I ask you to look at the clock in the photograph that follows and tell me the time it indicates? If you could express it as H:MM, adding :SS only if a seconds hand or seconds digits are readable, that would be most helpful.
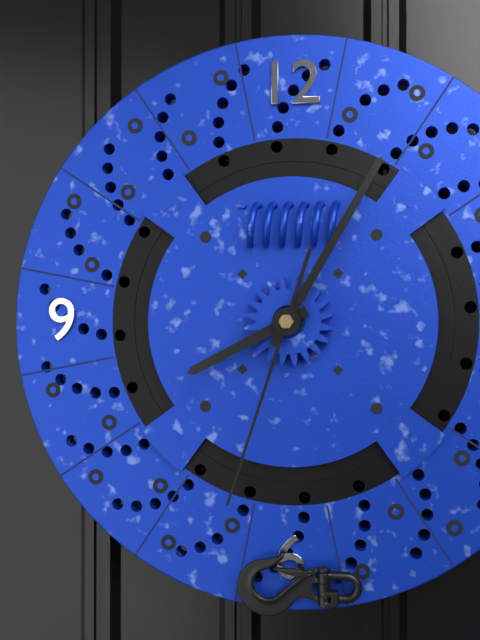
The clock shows 8:05:33
